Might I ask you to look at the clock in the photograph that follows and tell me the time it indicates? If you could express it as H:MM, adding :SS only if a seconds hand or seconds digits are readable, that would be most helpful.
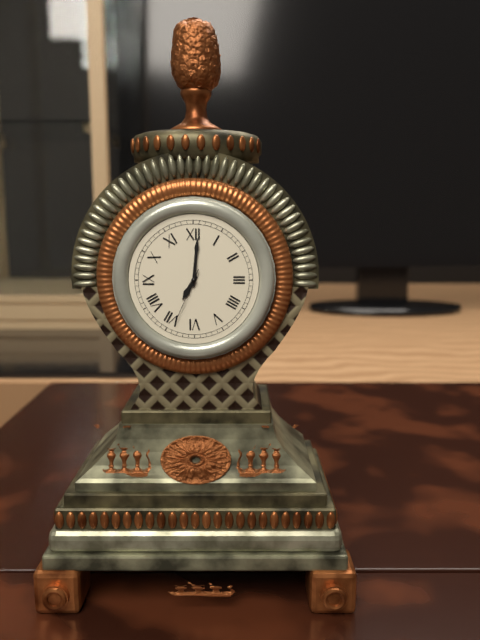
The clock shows 7:01:34
